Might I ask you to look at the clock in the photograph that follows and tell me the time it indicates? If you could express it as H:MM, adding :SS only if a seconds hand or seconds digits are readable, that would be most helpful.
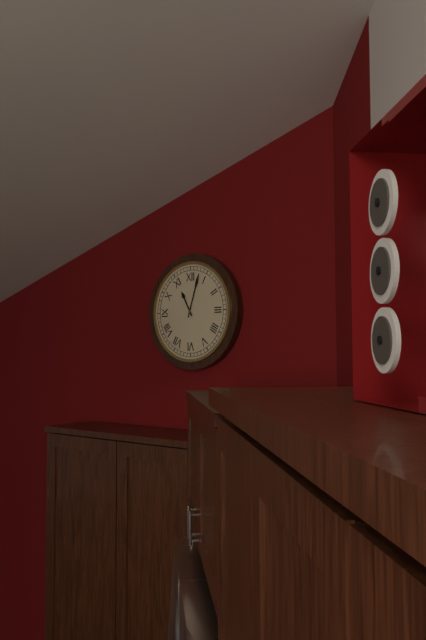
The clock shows 11:03
